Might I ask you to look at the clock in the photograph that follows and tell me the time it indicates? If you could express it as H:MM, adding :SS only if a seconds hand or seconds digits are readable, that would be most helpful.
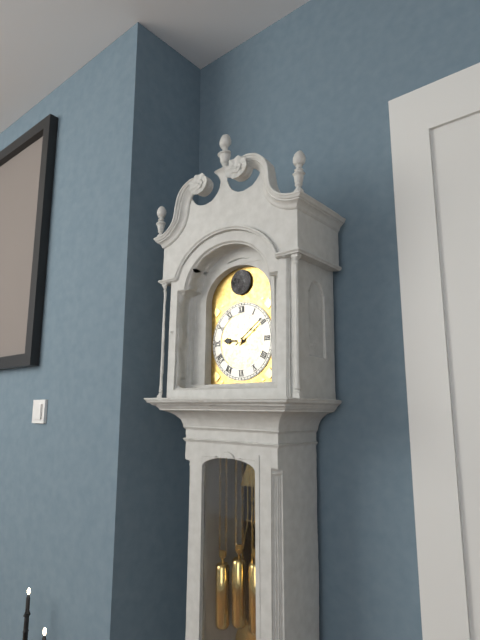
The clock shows 9:09
